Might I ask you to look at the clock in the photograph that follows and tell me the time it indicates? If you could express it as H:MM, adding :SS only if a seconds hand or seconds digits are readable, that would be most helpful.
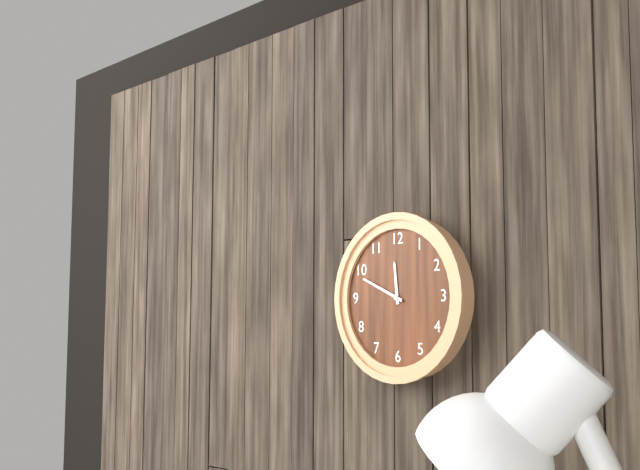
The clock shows 11:49
